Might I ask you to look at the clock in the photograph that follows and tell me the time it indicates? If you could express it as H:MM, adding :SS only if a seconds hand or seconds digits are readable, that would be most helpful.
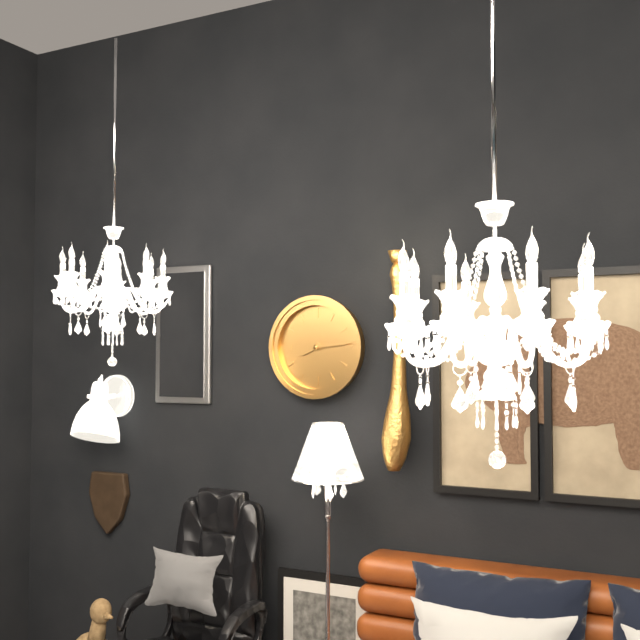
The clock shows 8:14
